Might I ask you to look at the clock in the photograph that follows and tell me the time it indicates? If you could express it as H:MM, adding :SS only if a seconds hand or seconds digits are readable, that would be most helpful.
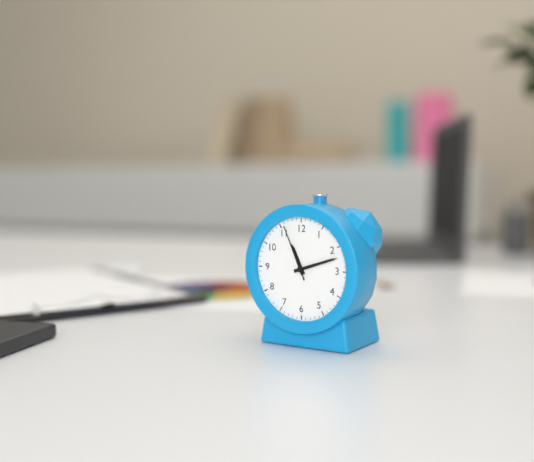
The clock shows 11:12:56
